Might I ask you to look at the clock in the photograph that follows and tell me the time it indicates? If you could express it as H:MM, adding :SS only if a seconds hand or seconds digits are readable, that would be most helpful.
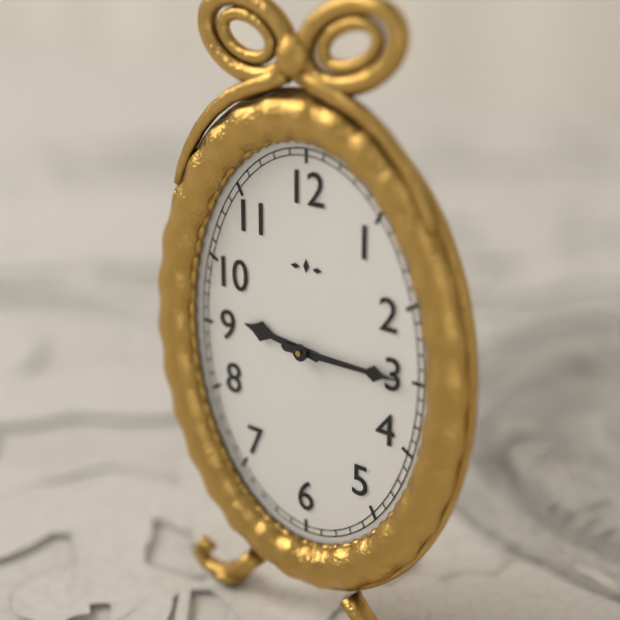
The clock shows 9:15
